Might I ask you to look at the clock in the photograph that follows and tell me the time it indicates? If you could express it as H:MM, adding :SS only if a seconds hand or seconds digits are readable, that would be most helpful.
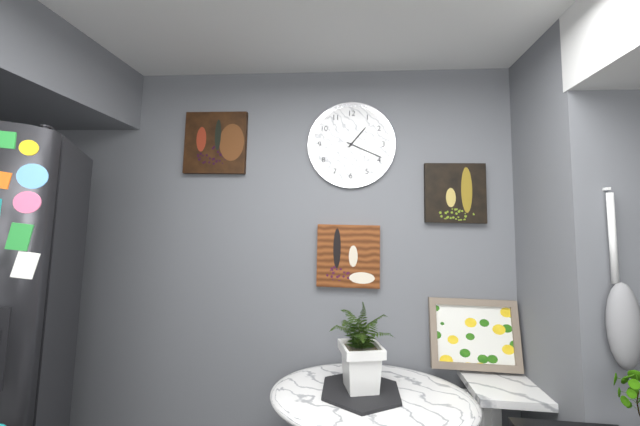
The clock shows 1:19
